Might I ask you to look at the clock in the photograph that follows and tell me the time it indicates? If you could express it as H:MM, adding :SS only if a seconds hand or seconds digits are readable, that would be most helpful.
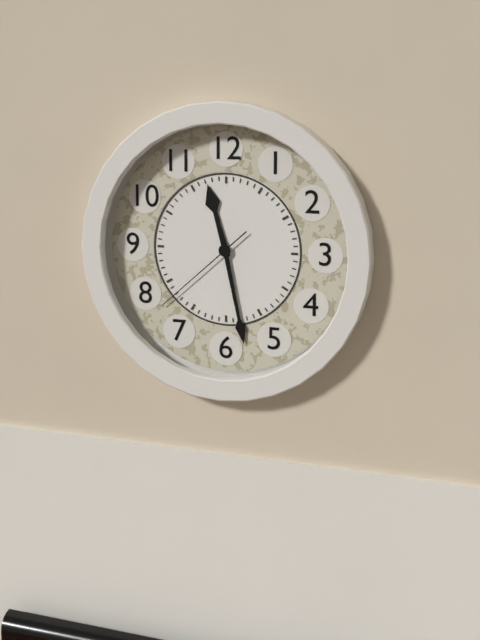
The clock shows 11:28:38
